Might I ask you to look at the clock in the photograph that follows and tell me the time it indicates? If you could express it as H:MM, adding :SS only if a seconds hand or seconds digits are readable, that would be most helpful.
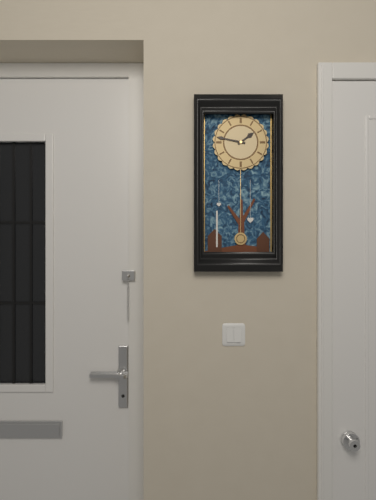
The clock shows 1:47
